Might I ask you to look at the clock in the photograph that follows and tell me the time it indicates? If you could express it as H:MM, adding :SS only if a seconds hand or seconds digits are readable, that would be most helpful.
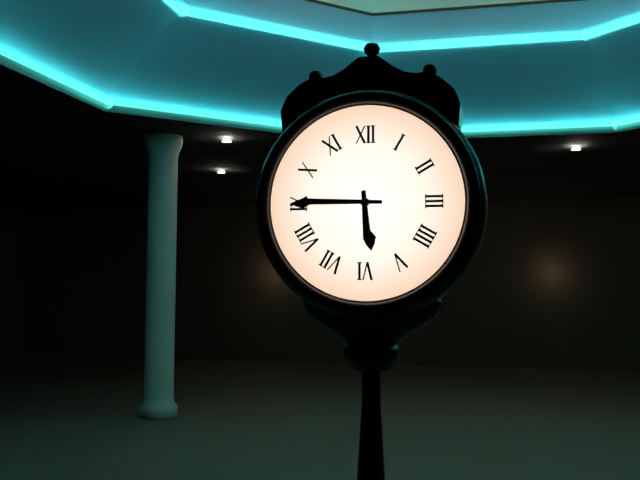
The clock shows 5:45
